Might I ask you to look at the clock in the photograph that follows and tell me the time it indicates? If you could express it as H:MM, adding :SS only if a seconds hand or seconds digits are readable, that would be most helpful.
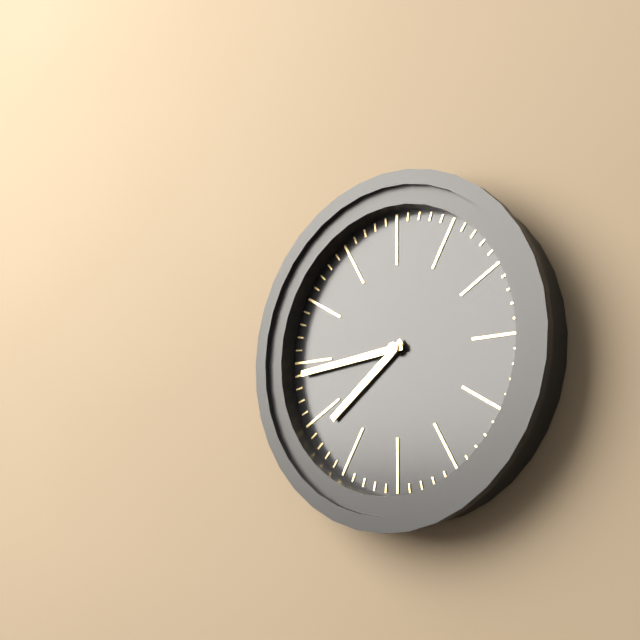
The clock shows 7:44
